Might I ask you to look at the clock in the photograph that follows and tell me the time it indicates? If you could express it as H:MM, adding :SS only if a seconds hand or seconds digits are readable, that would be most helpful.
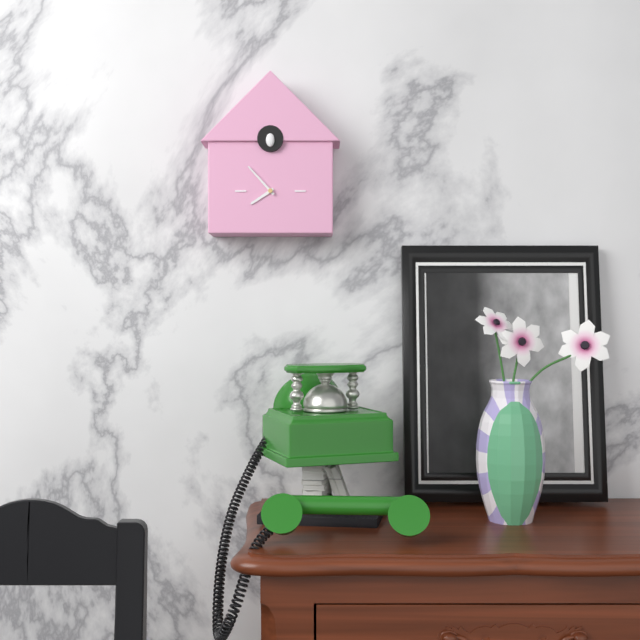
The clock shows 7:53
